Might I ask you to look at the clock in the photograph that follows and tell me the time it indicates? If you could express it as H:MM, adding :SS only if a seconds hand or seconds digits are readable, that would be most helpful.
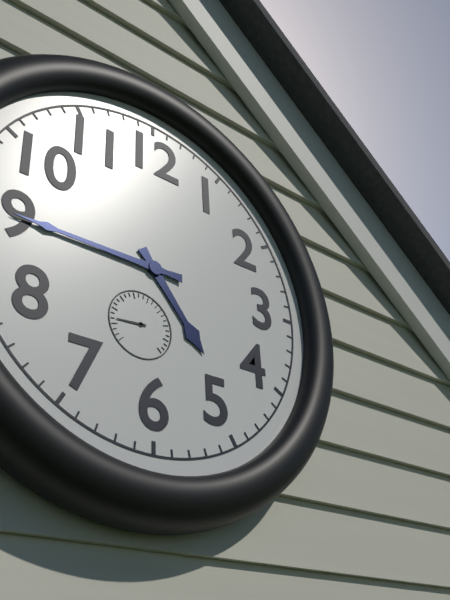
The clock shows 4:45
